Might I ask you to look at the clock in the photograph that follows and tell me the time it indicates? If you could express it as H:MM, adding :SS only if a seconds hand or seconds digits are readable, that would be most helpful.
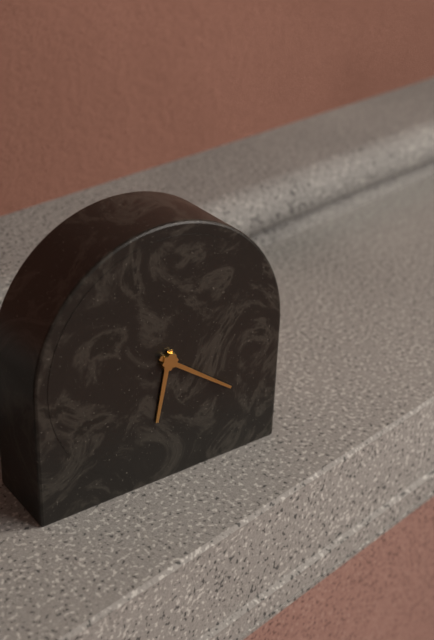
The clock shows 6:21
